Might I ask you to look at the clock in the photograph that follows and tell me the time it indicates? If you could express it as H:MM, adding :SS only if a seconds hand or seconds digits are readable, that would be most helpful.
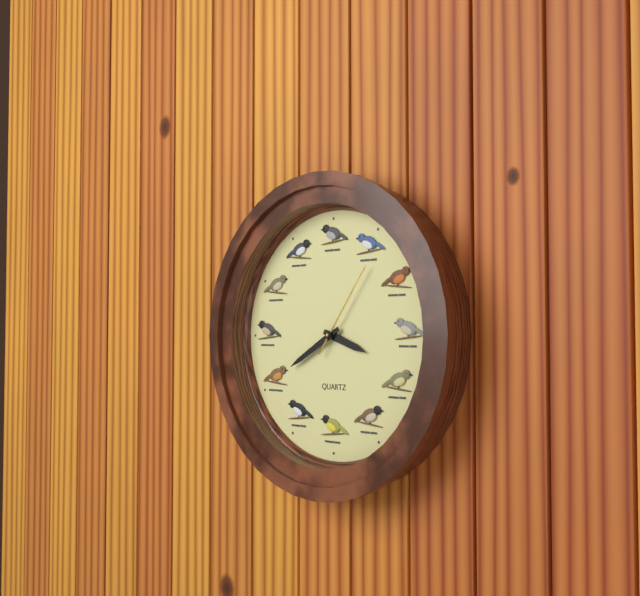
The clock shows 3:40:06
